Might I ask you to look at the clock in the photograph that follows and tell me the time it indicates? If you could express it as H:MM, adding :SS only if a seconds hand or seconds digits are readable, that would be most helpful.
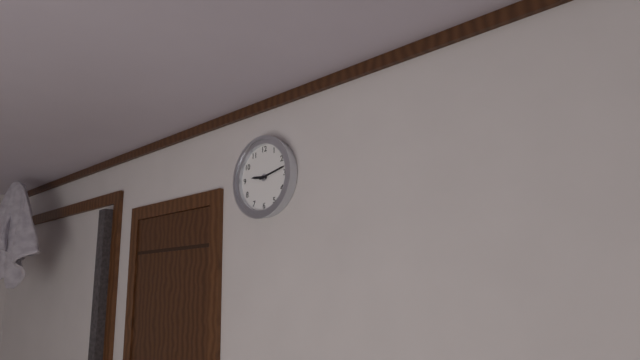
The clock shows 9:13
